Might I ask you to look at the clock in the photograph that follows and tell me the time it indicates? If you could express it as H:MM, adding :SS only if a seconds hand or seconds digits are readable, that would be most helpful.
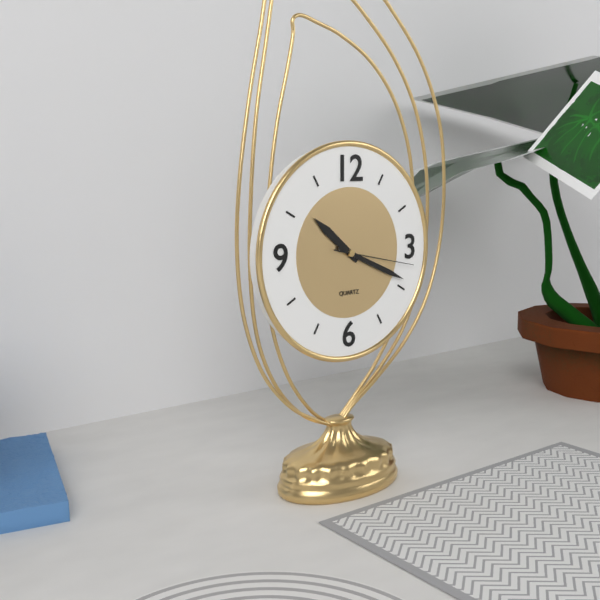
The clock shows 10:19:17
